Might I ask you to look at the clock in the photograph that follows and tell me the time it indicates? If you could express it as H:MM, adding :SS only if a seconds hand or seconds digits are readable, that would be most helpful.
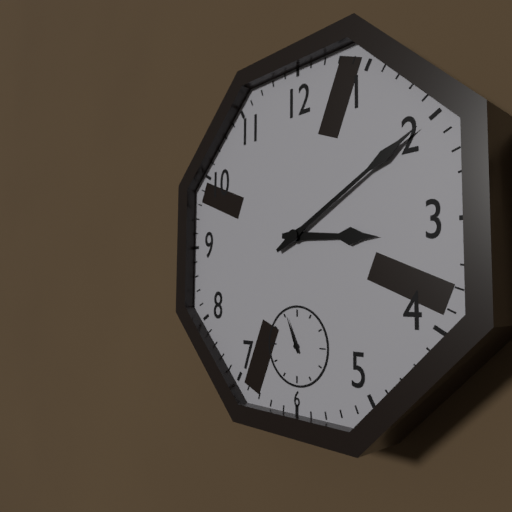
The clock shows 3:10
